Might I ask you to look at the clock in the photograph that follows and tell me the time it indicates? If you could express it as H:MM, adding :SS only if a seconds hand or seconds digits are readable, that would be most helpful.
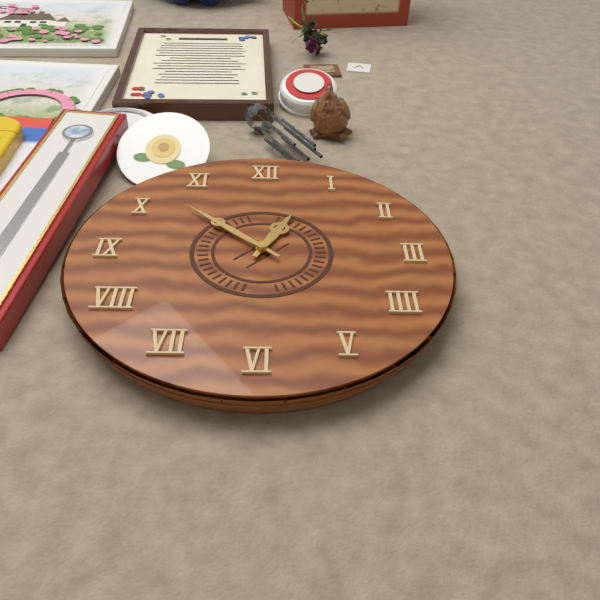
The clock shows 12:52
